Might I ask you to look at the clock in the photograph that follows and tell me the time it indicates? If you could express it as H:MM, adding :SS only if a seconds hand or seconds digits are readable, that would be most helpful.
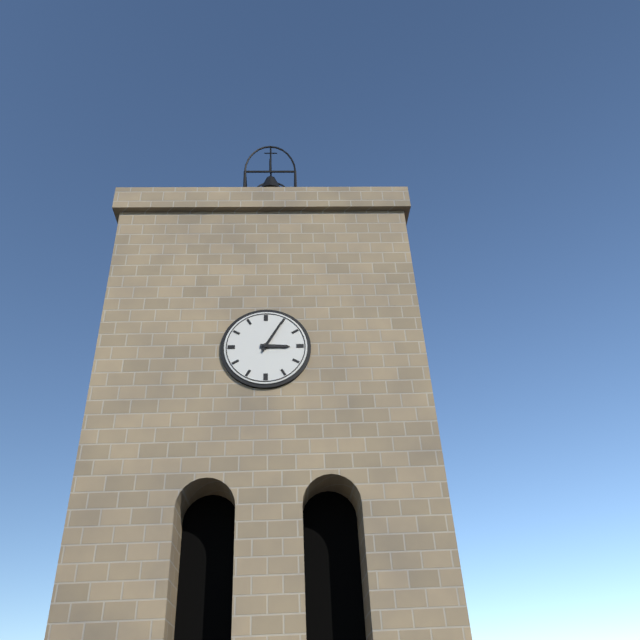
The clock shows 3:05
